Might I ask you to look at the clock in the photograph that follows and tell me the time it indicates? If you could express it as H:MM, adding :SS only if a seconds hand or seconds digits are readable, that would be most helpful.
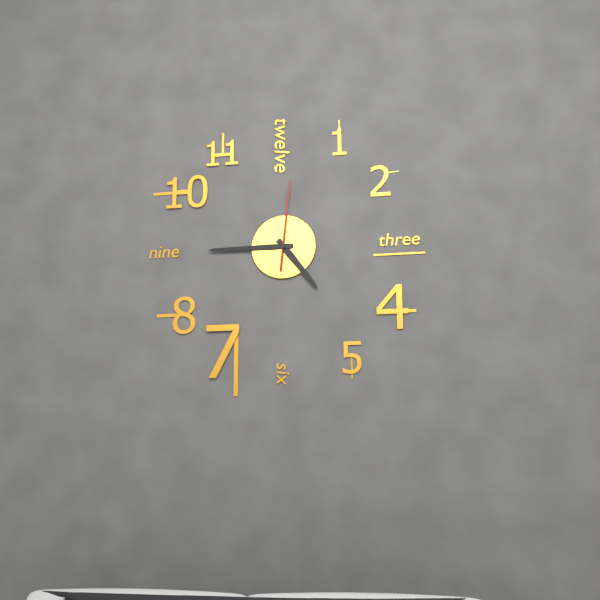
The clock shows 4:45:01
